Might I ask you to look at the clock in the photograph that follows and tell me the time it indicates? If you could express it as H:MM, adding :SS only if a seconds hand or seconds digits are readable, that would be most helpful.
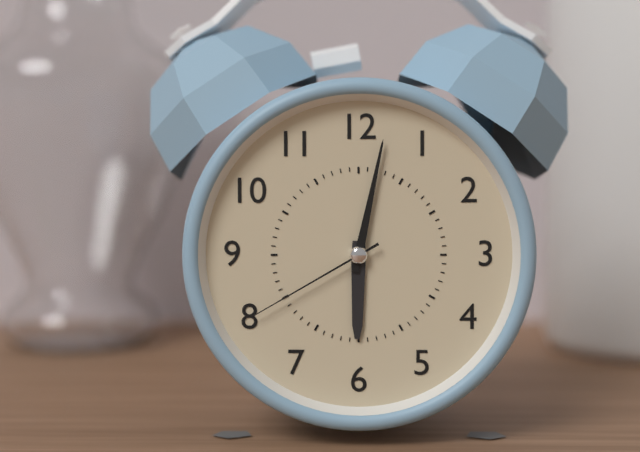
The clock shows 6:02:40
